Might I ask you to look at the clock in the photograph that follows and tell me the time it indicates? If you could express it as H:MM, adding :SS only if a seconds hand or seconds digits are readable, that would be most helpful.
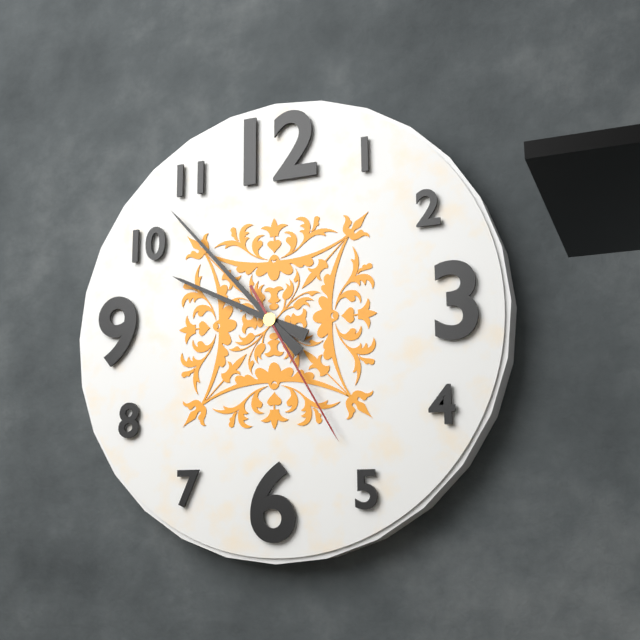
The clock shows 9:53:25
